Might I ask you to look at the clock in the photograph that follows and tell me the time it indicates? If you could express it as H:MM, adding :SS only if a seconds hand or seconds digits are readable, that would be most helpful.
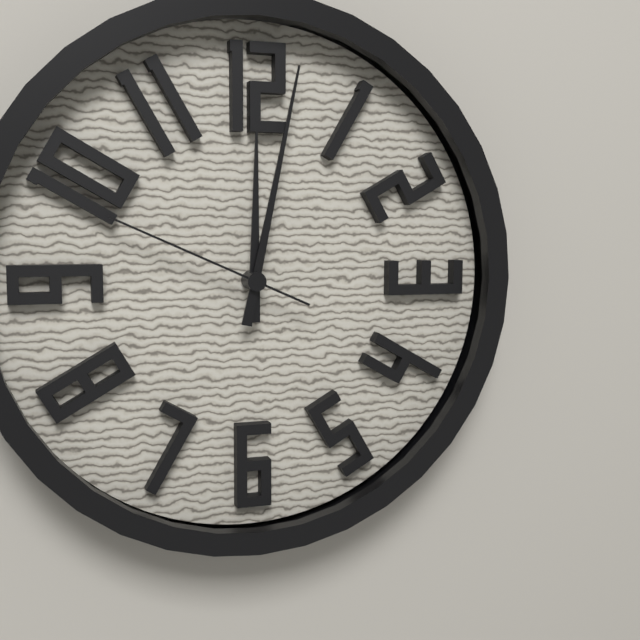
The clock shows 12:02:49
